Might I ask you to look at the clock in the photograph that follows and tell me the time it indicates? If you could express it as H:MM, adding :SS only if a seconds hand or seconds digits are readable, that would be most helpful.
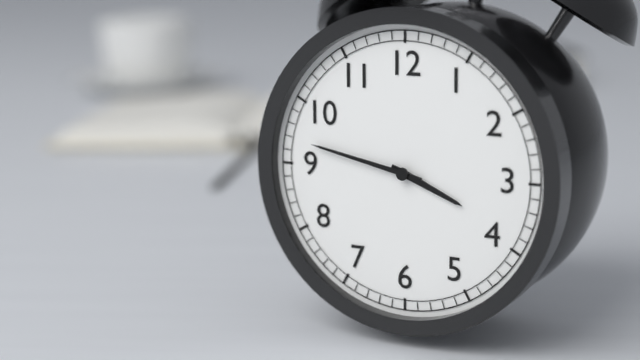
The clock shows 3:47
